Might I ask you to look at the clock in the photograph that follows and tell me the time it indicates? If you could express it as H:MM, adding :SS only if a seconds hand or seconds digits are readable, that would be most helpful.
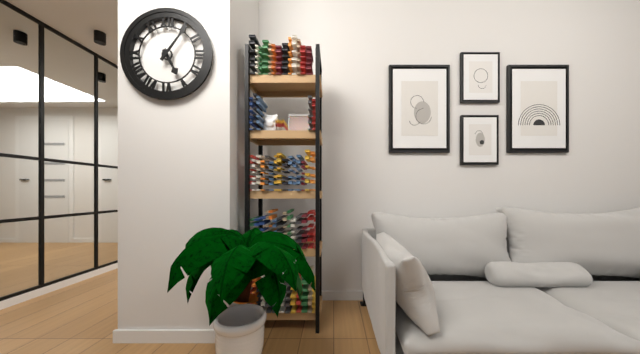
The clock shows 5:06
